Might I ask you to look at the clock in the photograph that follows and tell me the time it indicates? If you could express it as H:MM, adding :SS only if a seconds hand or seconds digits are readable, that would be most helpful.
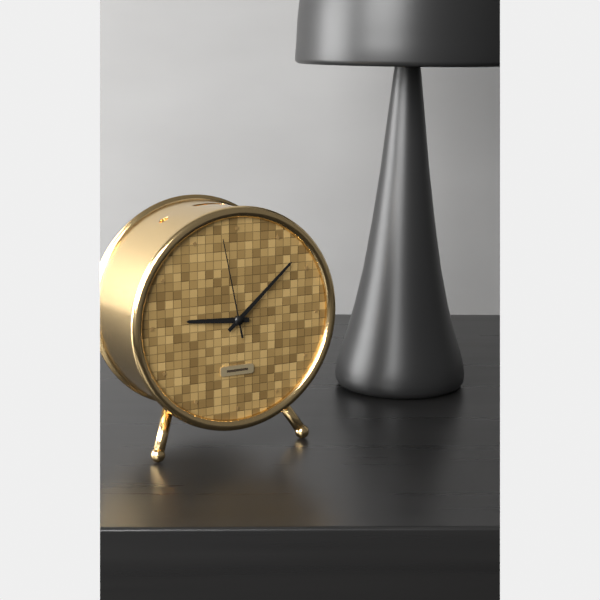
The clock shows 9:08:58
